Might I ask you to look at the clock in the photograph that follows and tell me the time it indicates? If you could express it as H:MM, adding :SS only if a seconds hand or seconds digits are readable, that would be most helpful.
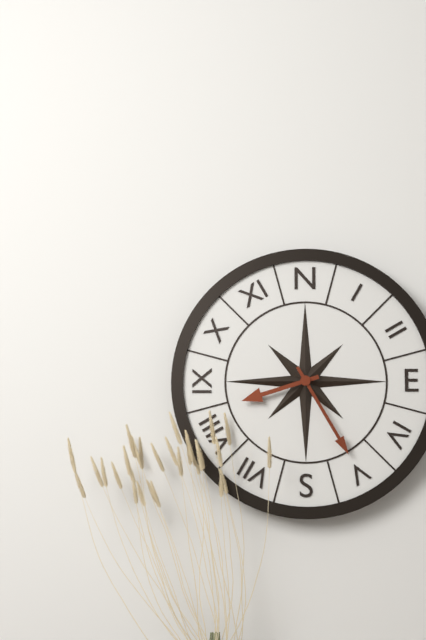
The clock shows 8:25
